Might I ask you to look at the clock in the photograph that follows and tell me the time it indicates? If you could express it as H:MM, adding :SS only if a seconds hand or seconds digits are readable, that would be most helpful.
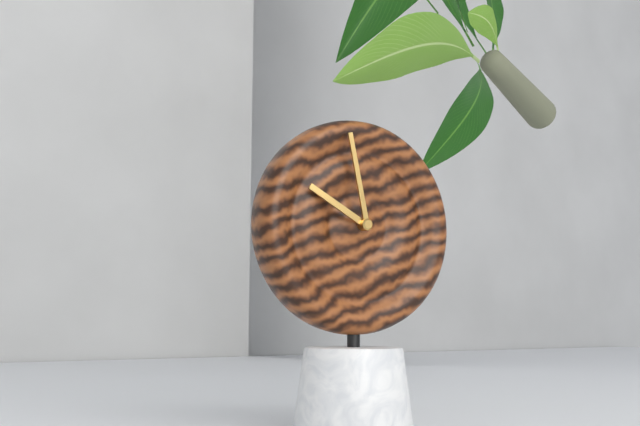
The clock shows 9:58
